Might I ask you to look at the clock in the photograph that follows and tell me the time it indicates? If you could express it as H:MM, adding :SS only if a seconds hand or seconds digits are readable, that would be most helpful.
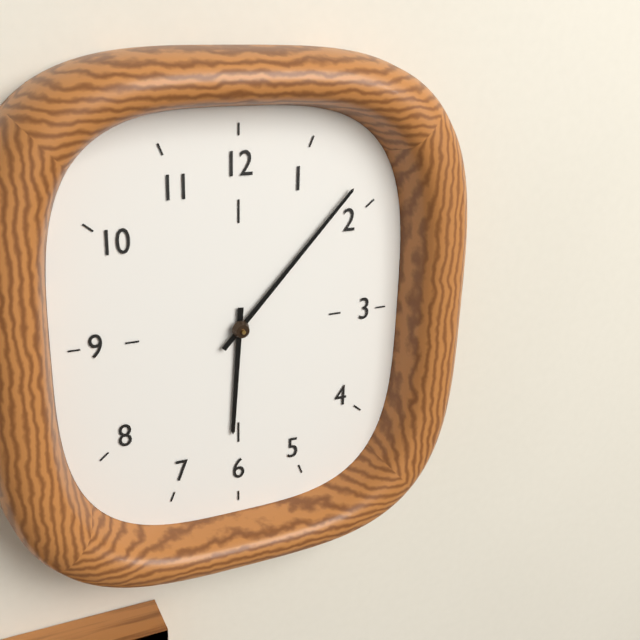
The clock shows 6:07
